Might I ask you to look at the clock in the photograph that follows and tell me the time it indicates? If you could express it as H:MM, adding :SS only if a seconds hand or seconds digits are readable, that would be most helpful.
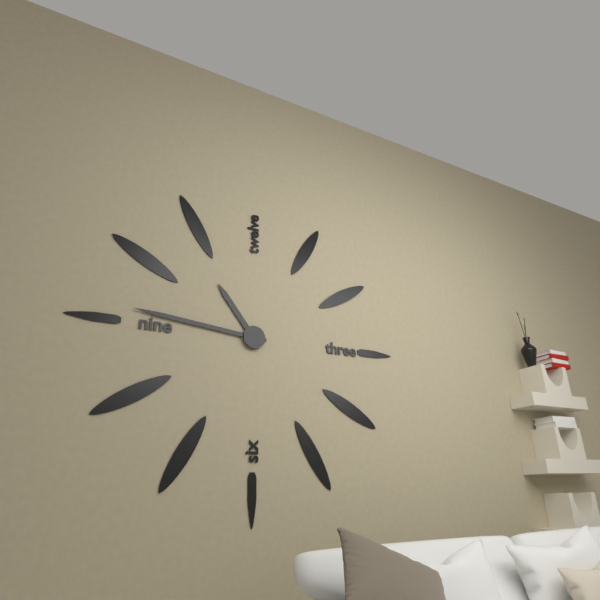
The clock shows 10:46
